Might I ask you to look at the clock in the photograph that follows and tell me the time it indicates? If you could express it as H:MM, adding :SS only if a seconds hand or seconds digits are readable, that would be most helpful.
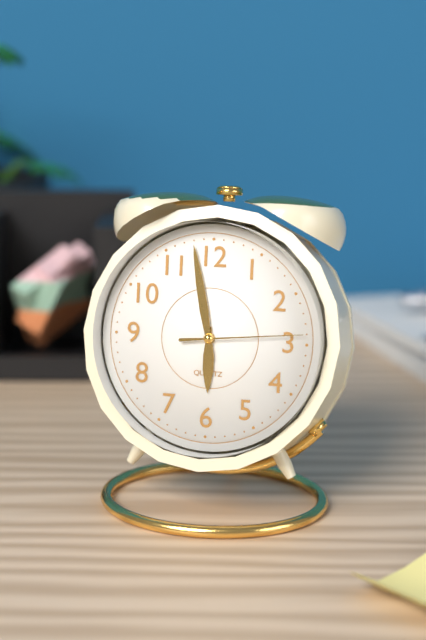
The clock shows 5:58:14
